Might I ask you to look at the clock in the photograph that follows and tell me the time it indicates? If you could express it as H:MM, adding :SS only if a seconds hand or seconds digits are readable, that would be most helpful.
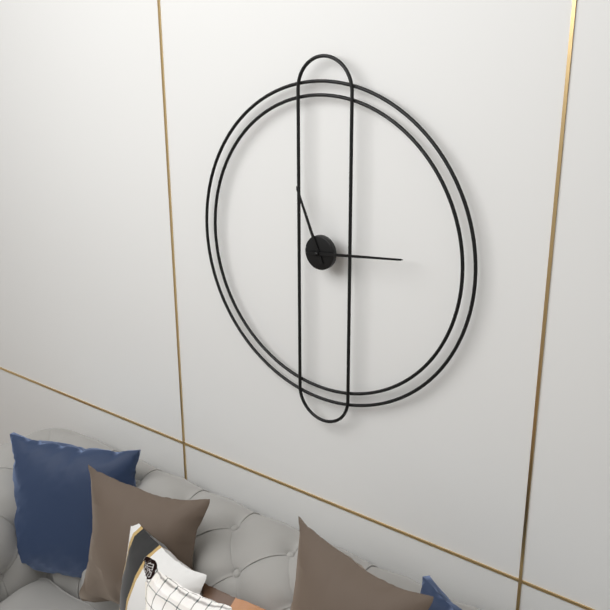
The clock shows 11:14
